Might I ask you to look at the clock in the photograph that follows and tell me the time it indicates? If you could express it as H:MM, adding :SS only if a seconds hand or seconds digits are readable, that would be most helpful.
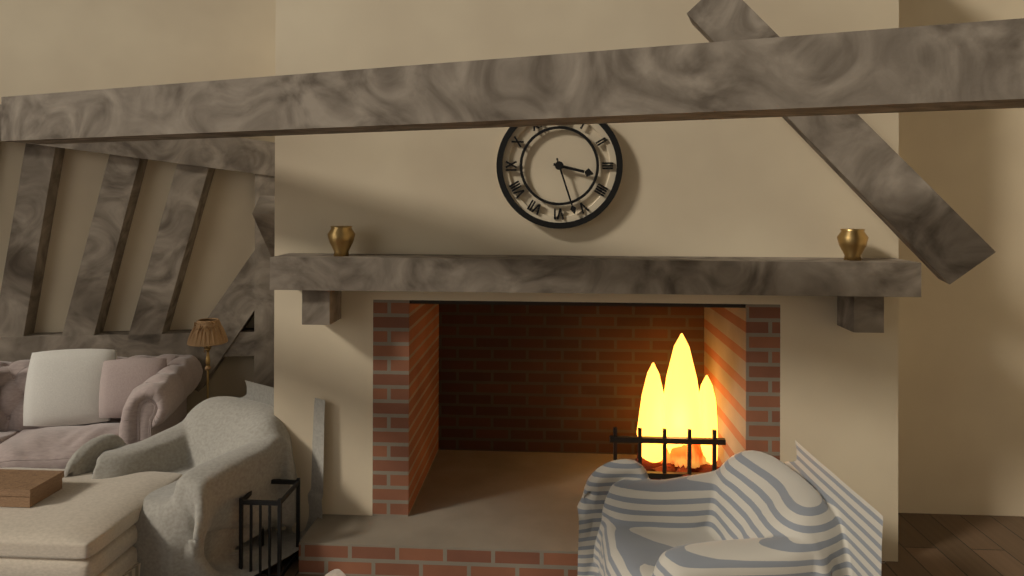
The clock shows 3:27
